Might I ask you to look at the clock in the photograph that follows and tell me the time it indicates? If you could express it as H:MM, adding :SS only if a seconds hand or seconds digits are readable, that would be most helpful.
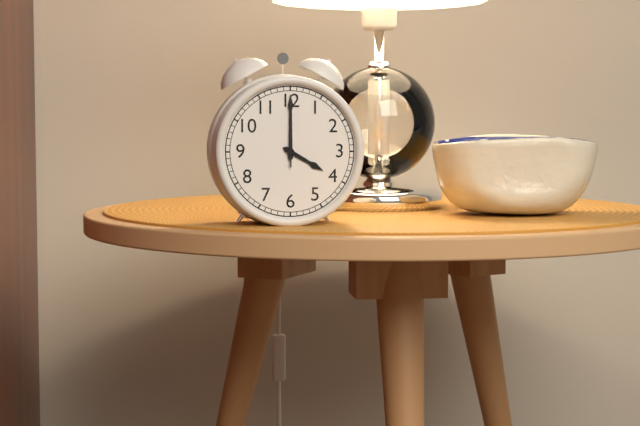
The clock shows 4:00:00
